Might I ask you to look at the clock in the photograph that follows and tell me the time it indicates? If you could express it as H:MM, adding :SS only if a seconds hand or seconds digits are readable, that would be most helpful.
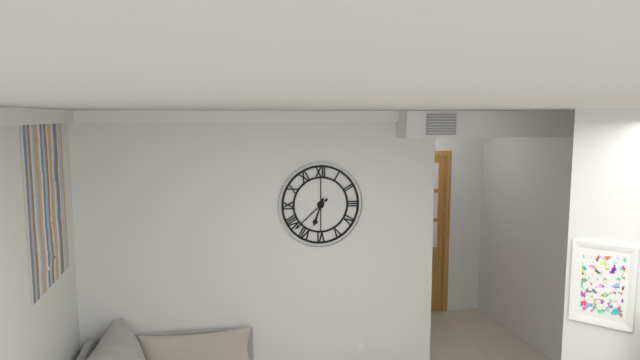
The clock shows 6:38
